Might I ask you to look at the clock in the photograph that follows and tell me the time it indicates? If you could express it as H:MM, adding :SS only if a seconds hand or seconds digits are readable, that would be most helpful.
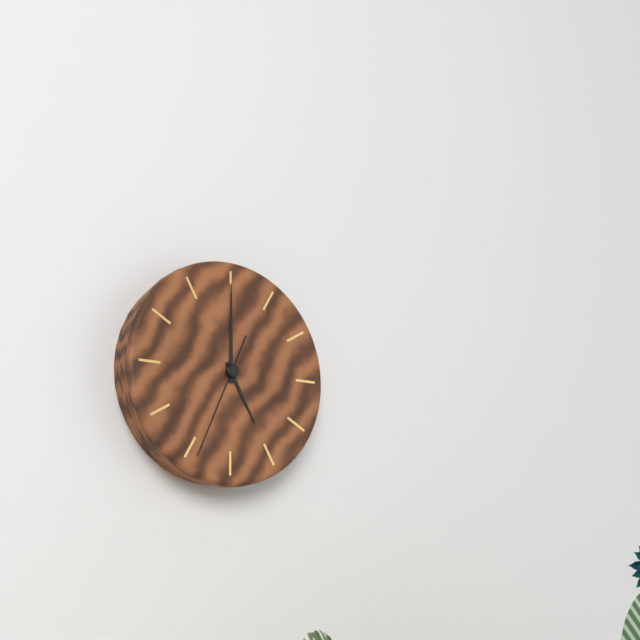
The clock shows 5:00:34
